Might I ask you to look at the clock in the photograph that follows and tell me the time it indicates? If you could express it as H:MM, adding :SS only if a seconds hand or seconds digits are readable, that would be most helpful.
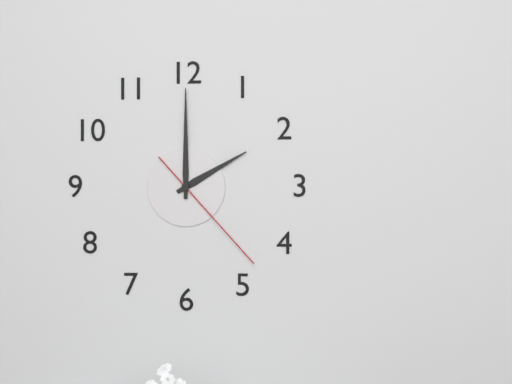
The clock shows 2:00:23
